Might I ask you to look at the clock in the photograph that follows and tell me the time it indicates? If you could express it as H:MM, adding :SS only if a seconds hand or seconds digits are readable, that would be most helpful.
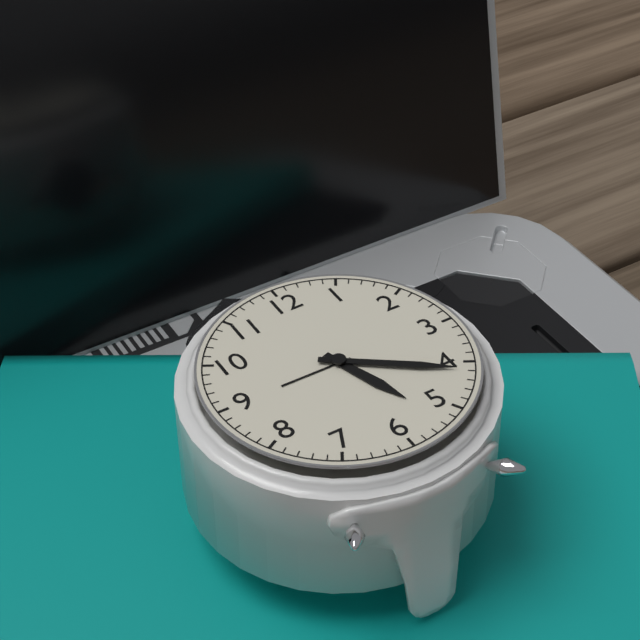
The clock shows 5:21
